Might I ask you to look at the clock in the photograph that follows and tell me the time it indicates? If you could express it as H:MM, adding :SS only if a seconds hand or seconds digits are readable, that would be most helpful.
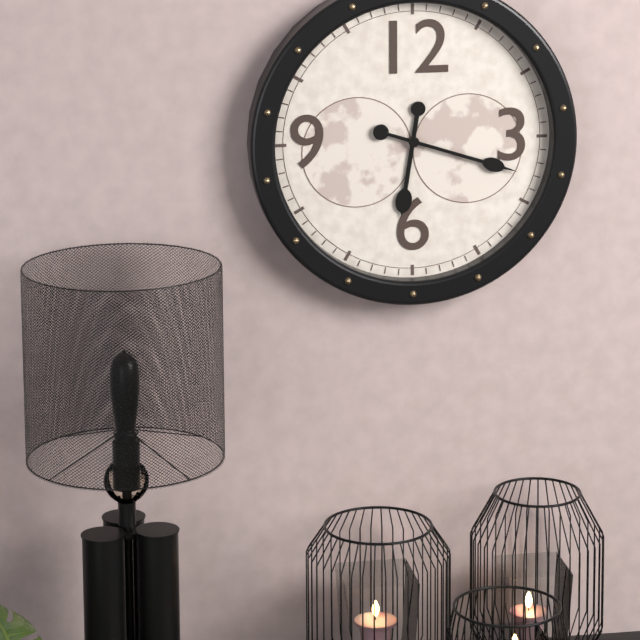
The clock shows 6:18
